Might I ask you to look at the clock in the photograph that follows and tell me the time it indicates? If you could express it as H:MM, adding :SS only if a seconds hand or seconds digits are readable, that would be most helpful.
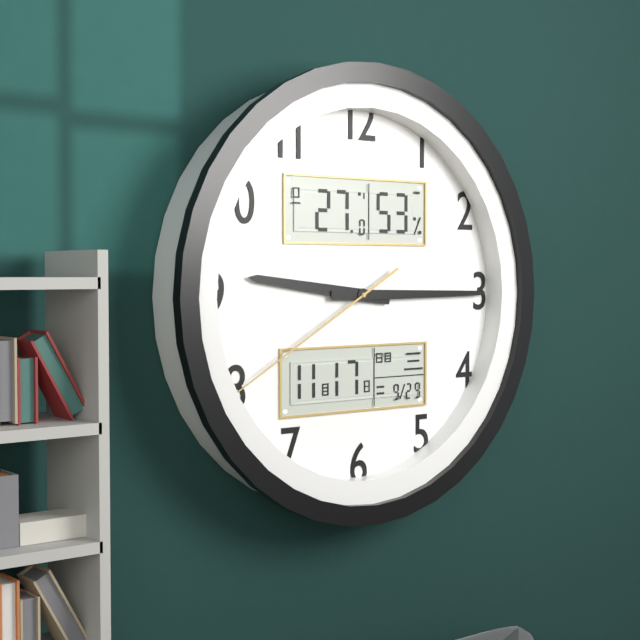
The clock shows 9:15:40
